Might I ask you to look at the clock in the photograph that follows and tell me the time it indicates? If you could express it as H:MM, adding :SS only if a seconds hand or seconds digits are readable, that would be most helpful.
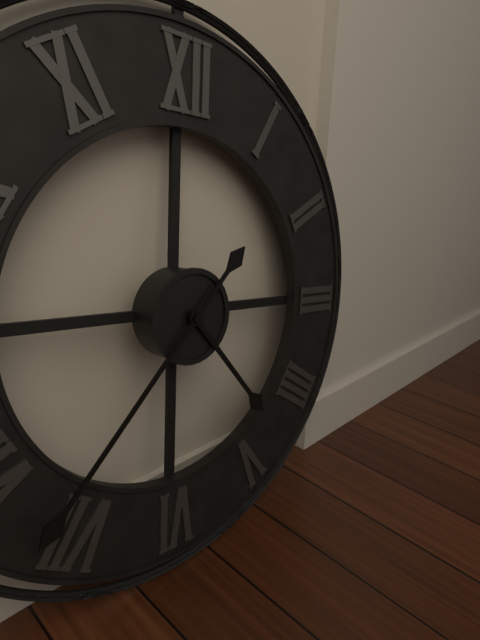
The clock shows 4:37
